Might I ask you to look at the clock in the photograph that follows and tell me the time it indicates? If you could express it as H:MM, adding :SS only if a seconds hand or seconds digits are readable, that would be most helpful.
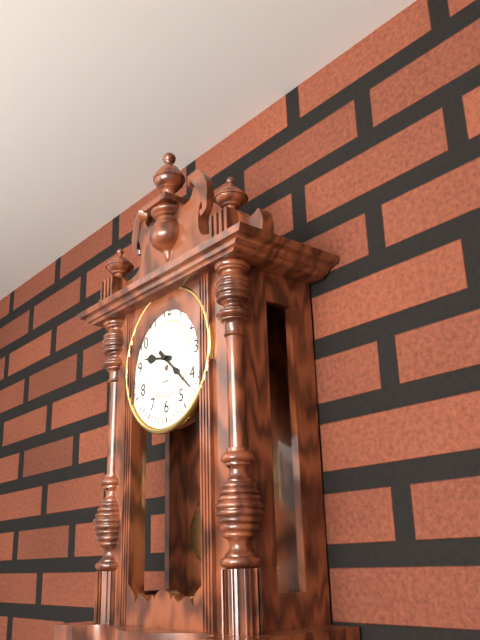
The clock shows 9:22
